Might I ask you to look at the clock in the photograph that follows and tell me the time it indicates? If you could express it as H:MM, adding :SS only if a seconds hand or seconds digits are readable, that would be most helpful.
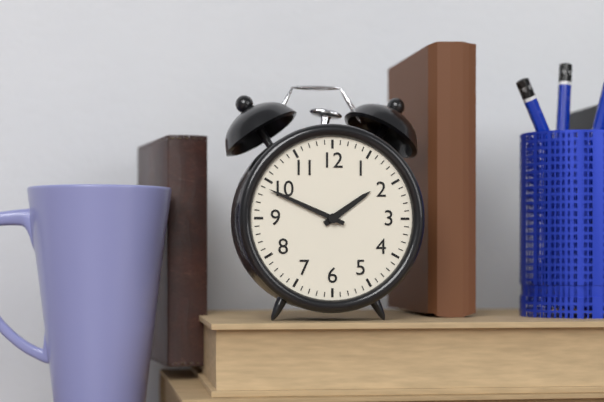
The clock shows 1:49
